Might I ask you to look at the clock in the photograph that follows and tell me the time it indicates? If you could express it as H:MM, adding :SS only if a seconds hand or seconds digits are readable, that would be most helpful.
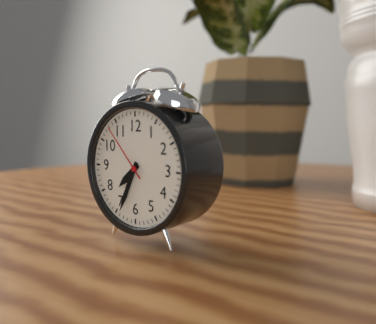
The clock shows 7:34:53
